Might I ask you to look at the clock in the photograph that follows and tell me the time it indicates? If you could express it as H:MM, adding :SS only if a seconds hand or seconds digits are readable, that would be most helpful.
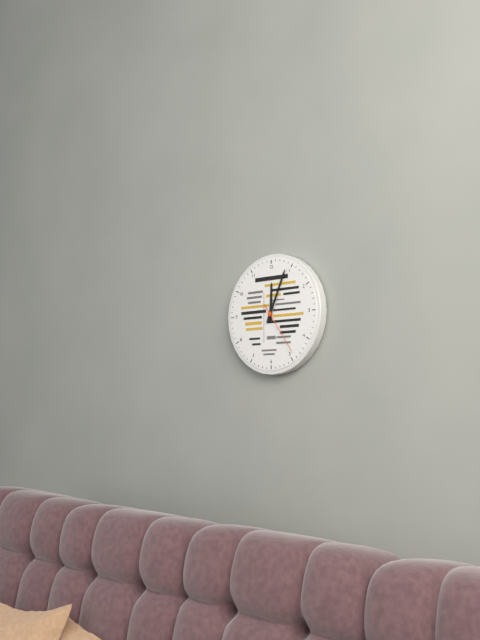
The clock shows 12:04:24
